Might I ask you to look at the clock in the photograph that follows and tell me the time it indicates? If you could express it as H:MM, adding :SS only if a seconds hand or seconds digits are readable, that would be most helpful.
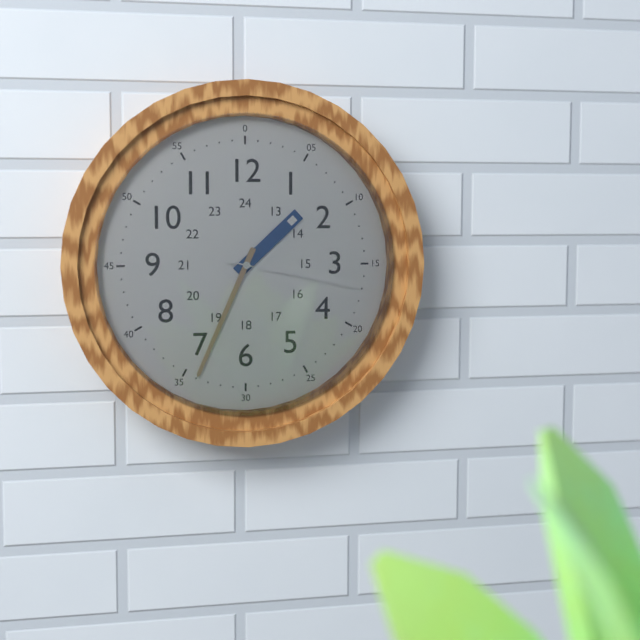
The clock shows 1:34:17
